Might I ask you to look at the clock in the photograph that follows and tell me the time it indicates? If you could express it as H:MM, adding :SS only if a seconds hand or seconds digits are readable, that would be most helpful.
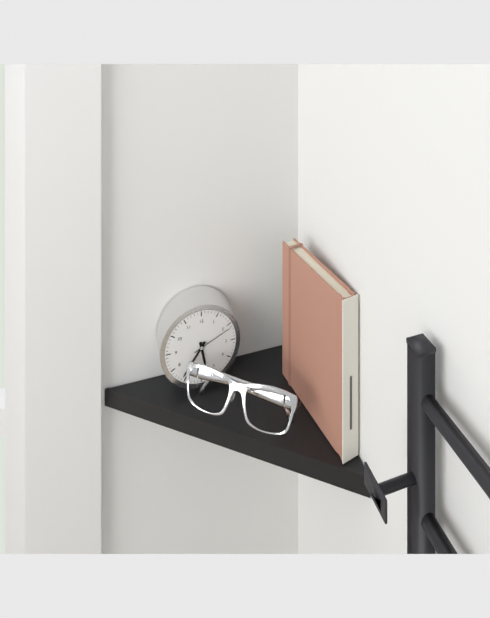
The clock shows 5:36
